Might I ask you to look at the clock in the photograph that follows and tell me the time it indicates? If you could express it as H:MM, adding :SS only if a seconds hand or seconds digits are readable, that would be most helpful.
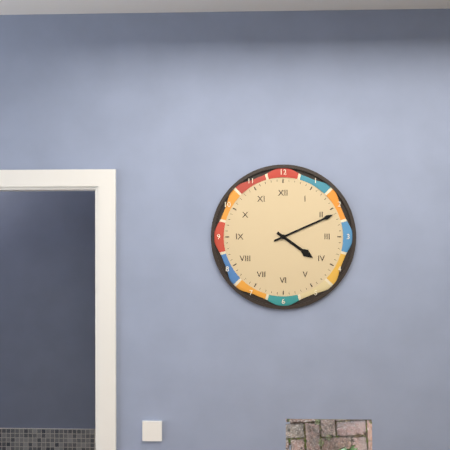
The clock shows 4:11
